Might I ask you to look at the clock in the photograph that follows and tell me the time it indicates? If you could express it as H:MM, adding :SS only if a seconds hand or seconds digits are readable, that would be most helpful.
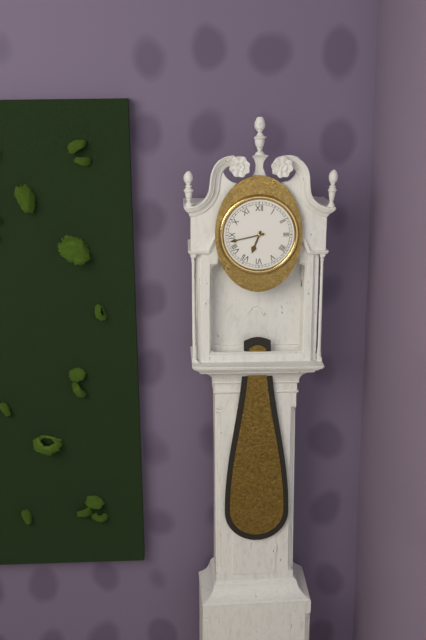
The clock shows 6:43
